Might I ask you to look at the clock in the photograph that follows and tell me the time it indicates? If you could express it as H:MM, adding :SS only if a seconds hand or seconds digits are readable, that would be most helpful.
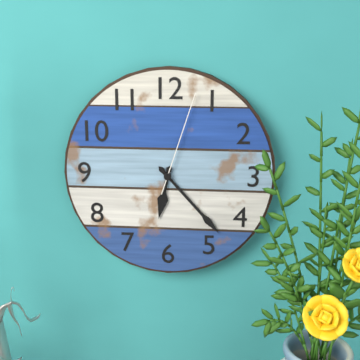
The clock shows 6:23:03
